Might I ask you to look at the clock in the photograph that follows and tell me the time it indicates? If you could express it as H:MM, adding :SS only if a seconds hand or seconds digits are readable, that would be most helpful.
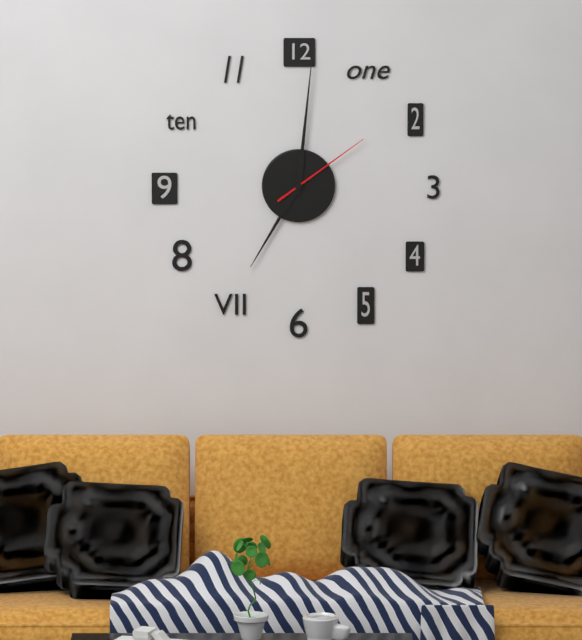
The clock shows 7:01:09
